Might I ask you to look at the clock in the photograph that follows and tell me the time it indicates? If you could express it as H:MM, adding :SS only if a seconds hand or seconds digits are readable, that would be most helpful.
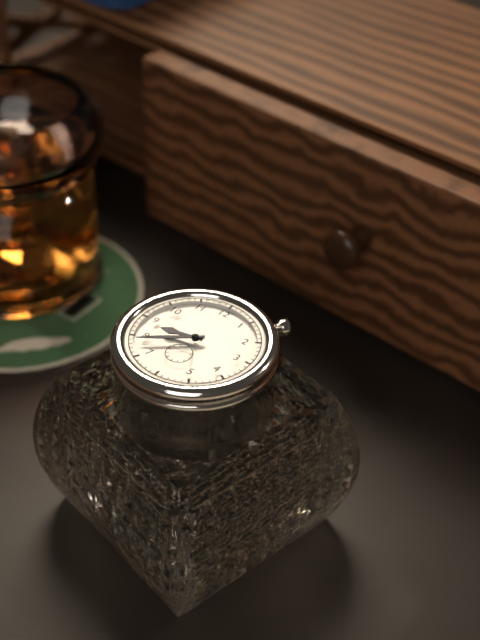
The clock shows 8:39
